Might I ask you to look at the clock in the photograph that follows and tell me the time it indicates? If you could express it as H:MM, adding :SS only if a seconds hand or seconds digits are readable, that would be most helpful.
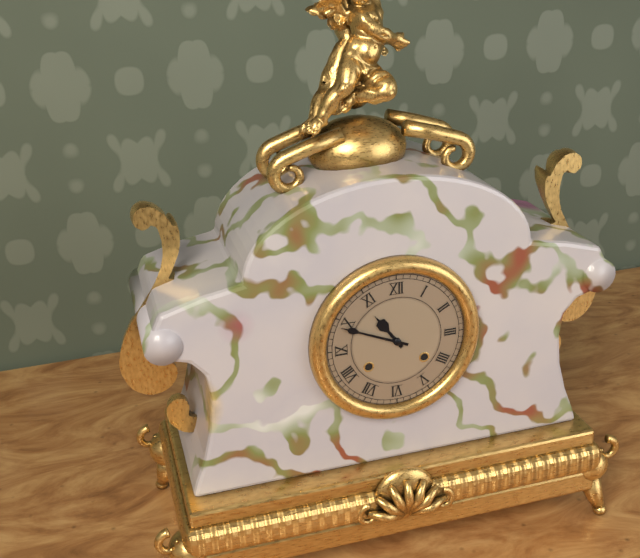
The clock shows 10:49
